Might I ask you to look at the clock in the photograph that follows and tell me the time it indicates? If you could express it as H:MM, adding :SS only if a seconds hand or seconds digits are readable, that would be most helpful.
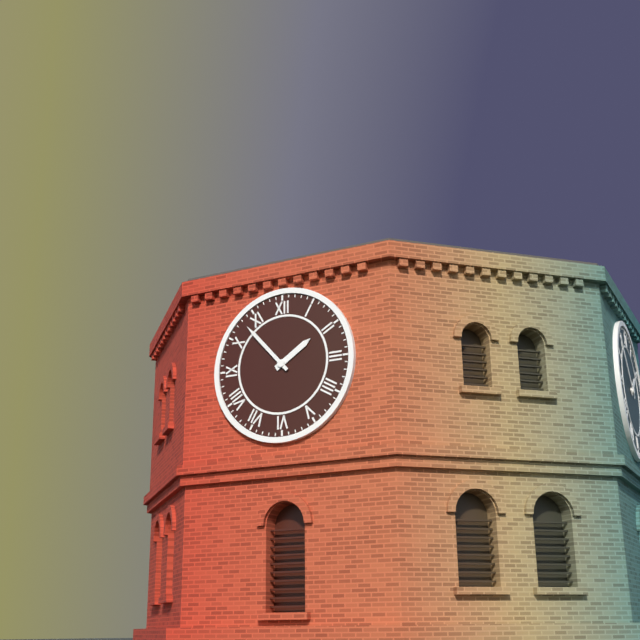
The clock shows 1:53
